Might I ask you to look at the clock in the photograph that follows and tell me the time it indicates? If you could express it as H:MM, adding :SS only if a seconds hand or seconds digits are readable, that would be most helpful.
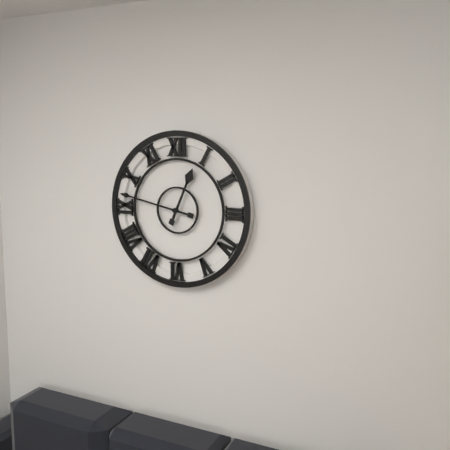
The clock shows 12:47
